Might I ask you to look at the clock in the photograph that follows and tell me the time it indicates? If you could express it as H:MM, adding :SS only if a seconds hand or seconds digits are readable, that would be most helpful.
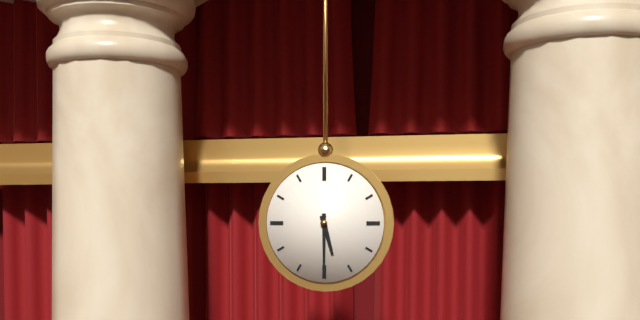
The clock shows 5:30
